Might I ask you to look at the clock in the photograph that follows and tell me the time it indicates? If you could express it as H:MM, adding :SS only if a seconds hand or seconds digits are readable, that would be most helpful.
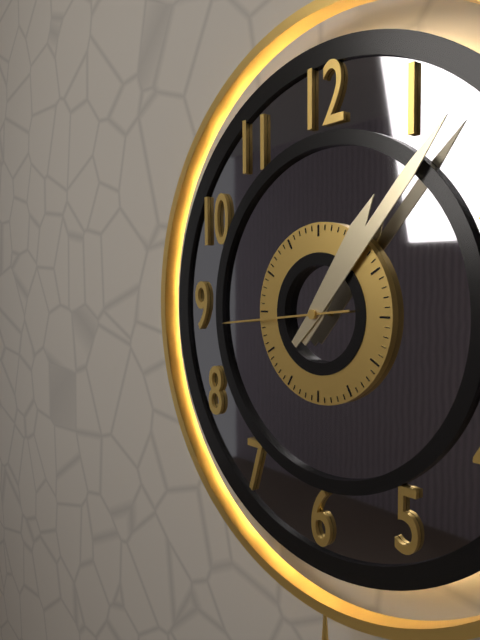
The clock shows 1:07:44
